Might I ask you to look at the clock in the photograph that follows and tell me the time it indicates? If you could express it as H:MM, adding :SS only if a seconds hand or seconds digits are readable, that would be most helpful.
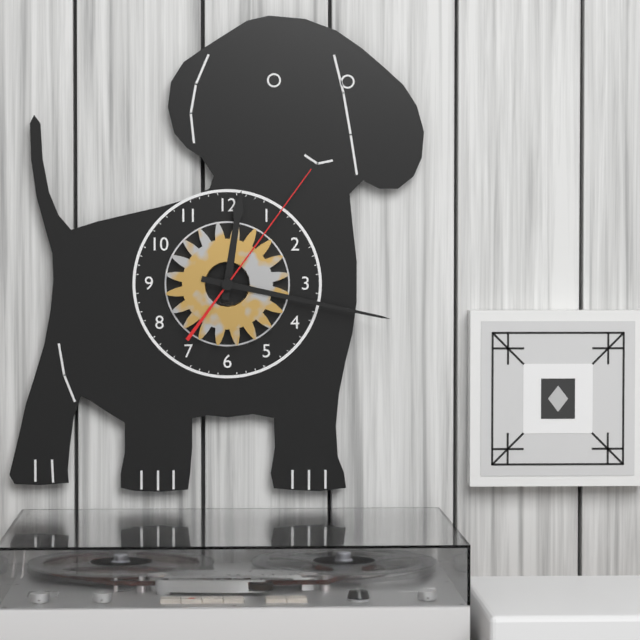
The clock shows 12:17:06
